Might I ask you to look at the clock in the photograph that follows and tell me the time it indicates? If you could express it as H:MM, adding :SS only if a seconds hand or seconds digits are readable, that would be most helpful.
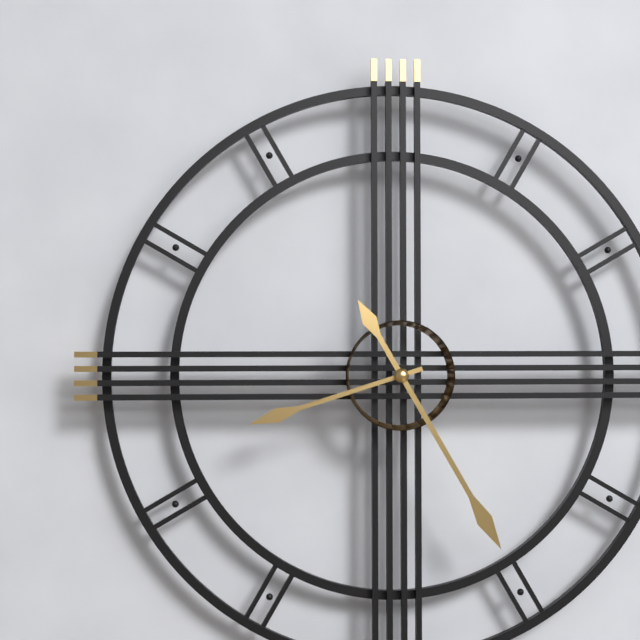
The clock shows 8:25
